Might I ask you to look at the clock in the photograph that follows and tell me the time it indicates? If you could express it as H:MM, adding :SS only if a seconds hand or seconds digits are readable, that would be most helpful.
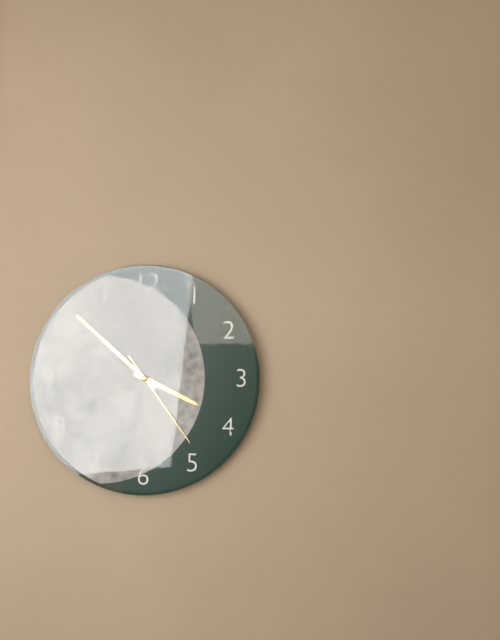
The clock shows 3:52:24
